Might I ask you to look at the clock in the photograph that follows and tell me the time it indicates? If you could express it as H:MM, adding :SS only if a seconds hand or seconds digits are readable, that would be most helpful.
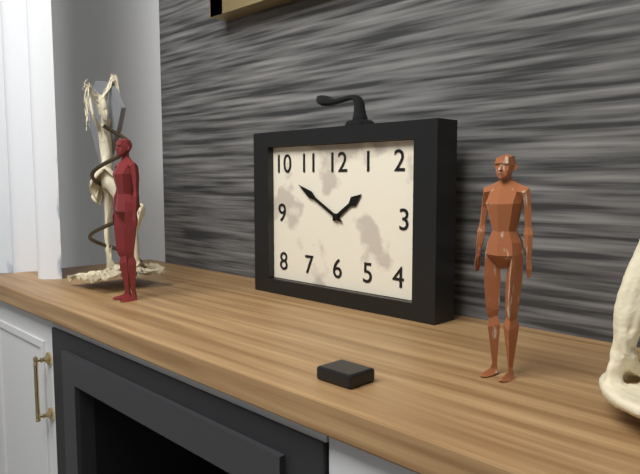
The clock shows 1:50
